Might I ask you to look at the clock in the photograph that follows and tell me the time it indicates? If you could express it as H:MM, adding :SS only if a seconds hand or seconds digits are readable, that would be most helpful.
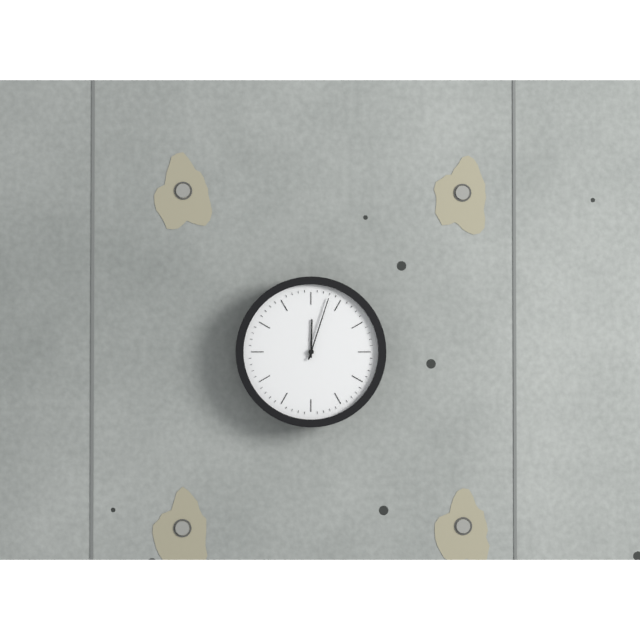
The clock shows 12:03
